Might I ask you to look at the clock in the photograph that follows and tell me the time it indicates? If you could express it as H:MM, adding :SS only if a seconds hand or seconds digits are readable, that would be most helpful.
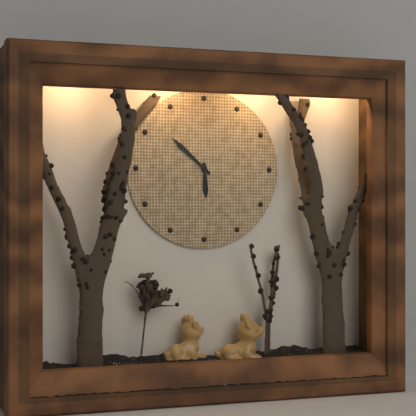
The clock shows 5:52
